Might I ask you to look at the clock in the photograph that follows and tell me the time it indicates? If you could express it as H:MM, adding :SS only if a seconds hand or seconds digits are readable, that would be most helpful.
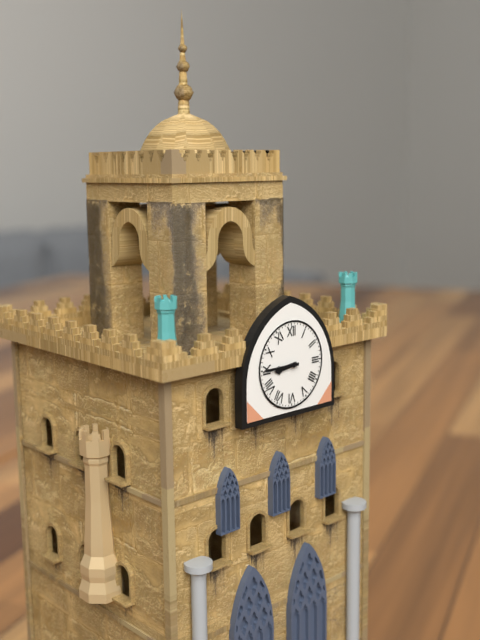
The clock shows 8:45
